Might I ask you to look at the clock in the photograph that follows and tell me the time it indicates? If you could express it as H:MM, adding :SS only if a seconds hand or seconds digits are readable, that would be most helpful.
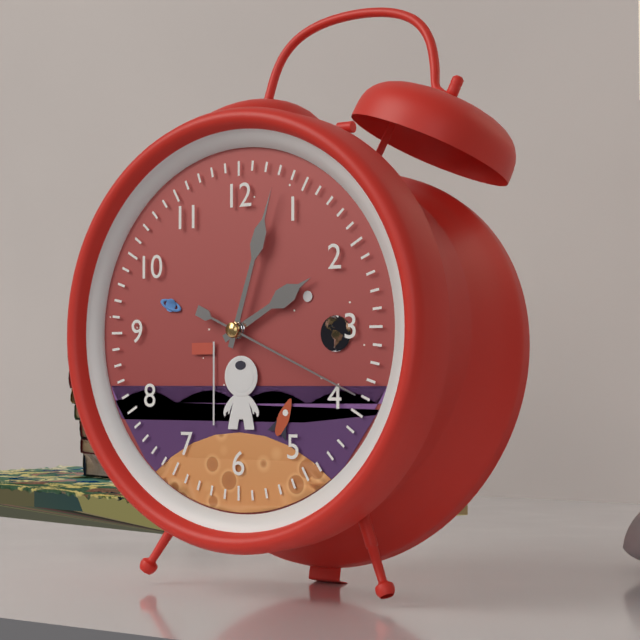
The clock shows 2:03:19
